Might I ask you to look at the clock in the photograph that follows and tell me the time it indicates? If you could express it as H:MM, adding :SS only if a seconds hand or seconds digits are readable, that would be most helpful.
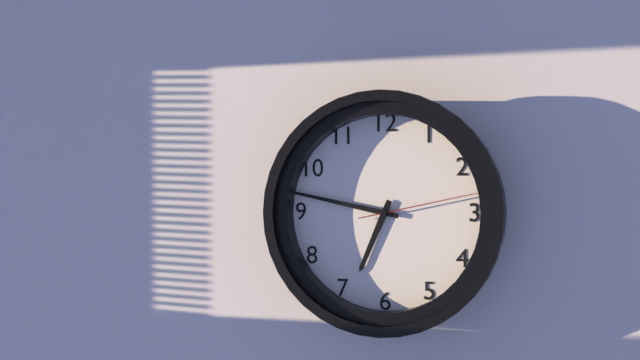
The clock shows 6:47:13
